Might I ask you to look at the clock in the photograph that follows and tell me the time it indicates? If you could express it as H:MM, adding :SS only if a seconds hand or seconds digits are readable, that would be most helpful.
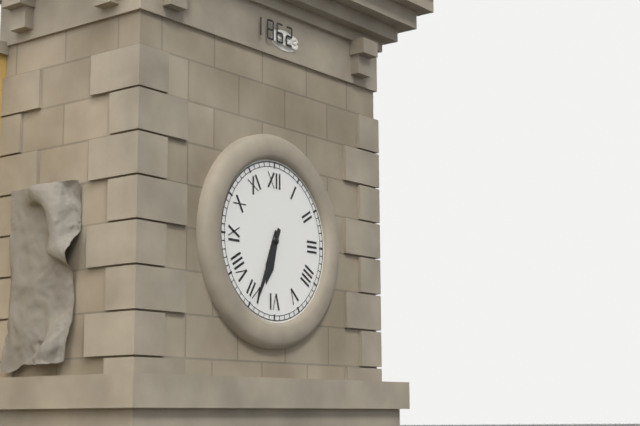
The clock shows 6:34
